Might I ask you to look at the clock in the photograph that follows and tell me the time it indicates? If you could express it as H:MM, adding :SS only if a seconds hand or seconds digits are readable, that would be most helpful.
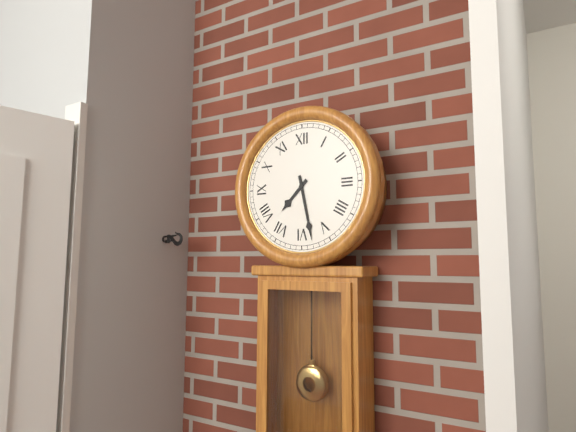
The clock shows 7:28
